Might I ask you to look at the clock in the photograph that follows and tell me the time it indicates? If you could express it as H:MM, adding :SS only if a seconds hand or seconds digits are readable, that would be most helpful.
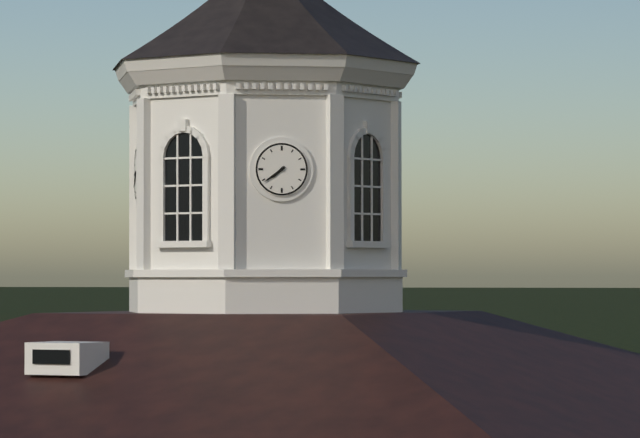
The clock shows 7:39
